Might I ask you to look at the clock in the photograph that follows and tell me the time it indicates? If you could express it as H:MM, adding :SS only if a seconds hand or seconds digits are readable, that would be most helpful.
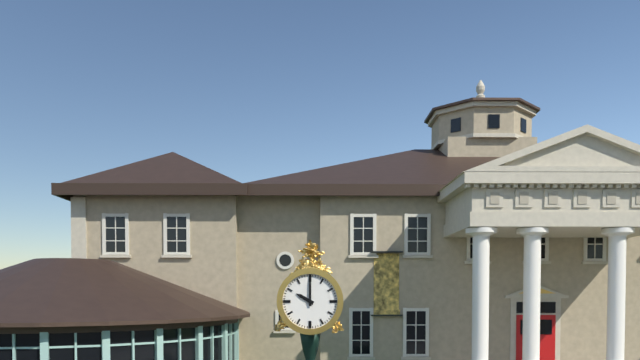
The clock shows 10:00
